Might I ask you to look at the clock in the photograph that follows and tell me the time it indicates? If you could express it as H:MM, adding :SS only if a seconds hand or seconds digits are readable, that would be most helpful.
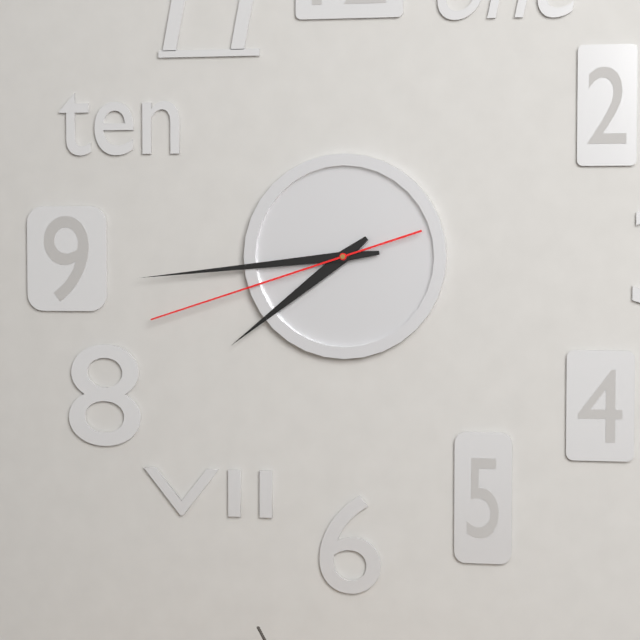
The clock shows 7:44:42
